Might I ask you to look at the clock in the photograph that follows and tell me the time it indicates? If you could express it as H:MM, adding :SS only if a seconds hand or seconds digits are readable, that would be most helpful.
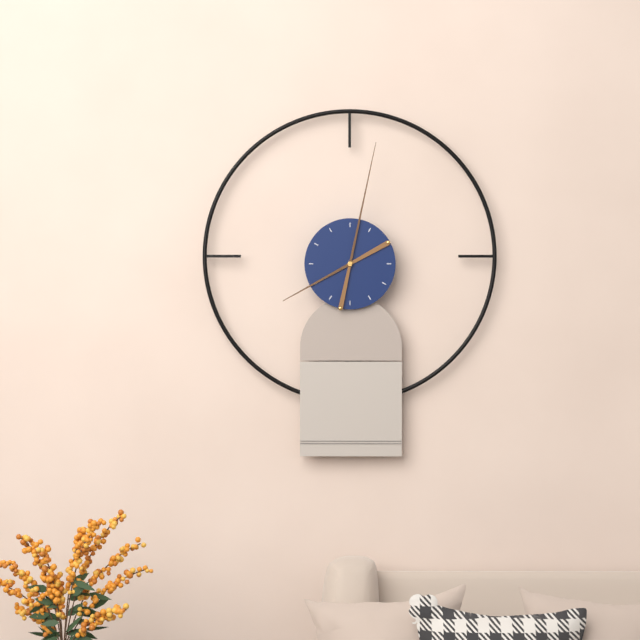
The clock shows 8:02
